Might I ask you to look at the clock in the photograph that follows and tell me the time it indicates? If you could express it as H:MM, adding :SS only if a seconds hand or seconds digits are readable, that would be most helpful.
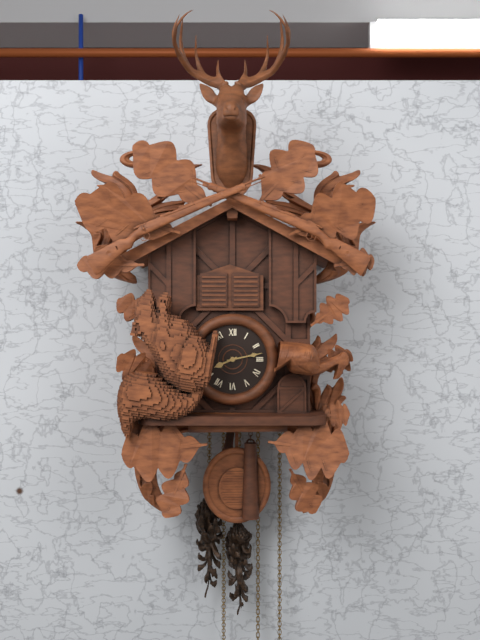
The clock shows 8:13
